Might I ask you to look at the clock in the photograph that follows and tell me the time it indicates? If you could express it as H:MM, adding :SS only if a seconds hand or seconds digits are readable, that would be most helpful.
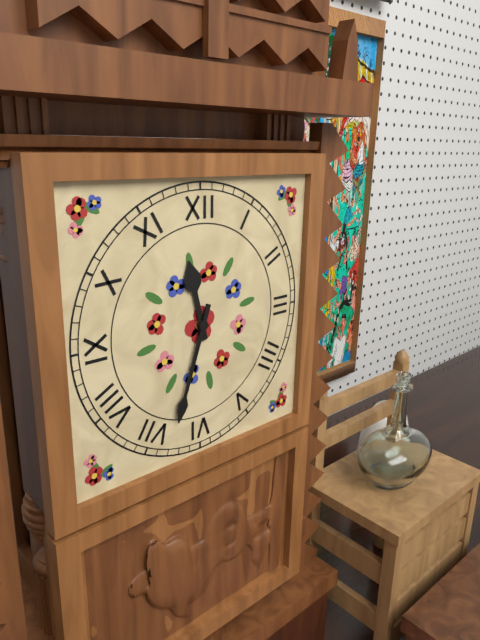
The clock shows 11:33
